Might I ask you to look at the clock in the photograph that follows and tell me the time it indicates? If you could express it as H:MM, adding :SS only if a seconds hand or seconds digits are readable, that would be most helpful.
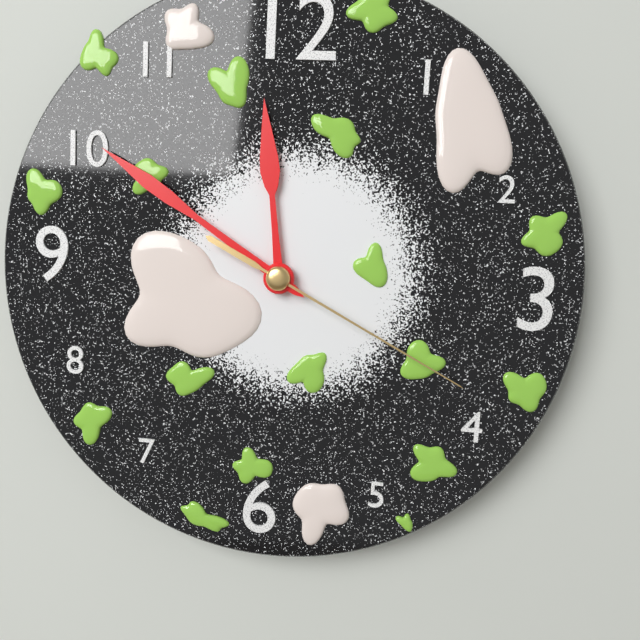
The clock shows 11:51:20
